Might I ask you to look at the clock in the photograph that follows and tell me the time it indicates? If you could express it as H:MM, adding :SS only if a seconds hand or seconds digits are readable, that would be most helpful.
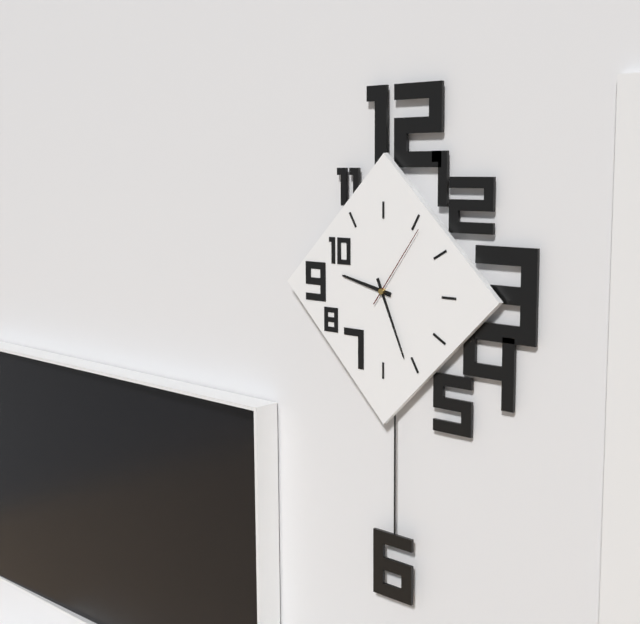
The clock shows 9:26:06
